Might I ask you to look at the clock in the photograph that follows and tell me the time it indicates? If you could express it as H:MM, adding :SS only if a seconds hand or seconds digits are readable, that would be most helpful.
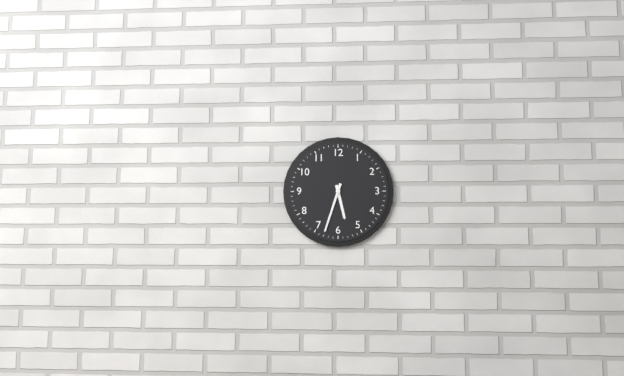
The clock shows 5:33
